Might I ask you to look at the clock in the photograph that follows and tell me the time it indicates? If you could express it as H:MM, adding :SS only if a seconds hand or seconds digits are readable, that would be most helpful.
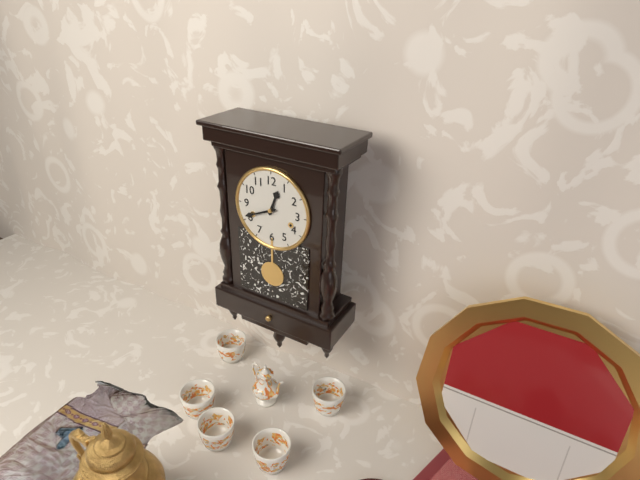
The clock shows 12:41
